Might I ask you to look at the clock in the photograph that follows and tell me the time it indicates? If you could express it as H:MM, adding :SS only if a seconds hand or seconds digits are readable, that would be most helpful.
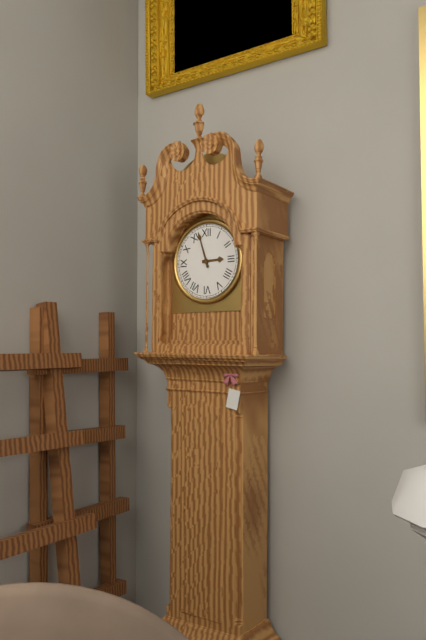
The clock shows 2:57
